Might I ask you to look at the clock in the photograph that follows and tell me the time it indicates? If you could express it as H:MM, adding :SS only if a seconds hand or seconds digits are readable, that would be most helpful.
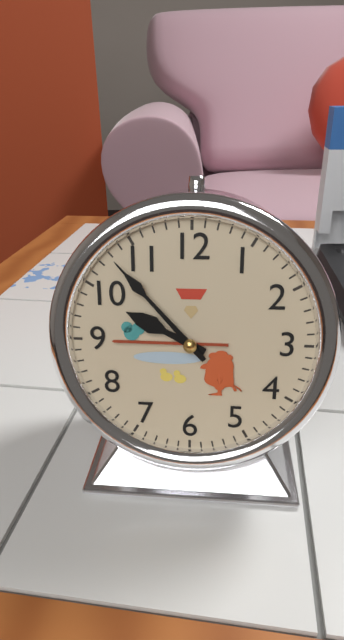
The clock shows 9:53
